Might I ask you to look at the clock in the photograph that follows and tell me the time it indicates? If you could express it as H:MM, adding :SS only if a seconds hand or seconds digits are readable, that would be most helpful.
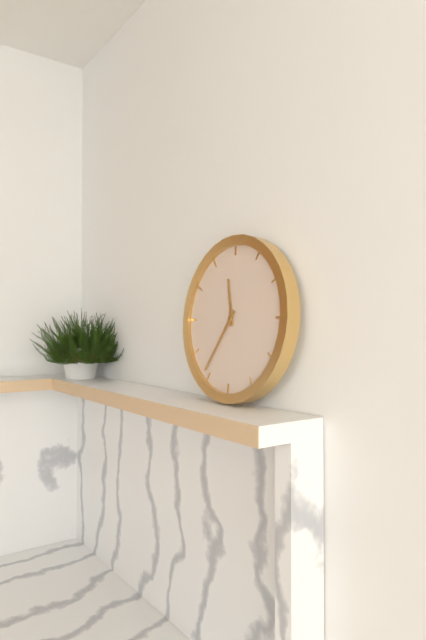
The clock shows 11:36
